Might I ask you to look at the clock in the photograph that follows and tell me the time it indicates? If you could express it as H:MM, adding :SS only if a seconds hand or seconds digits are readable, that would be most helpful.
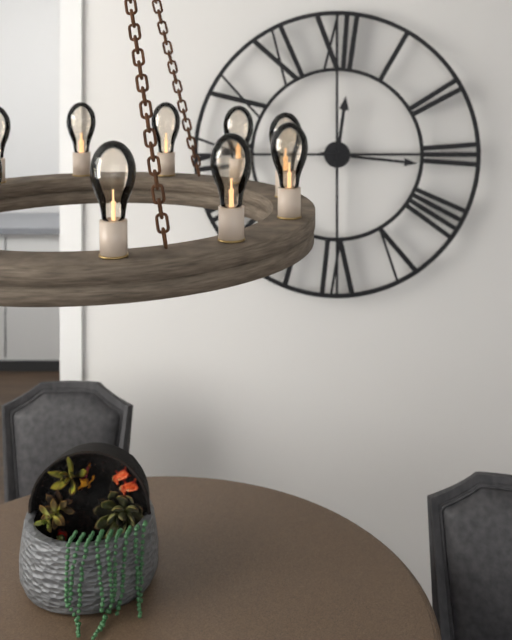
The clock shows 12:16
